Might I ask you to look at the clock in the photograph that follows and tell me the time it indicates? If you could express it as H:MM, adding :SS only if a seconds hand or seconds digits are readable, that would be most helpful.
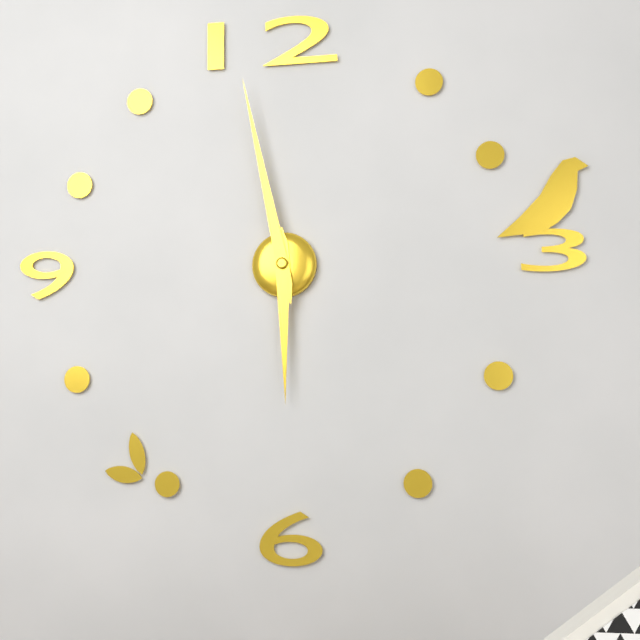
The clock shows 5:58
